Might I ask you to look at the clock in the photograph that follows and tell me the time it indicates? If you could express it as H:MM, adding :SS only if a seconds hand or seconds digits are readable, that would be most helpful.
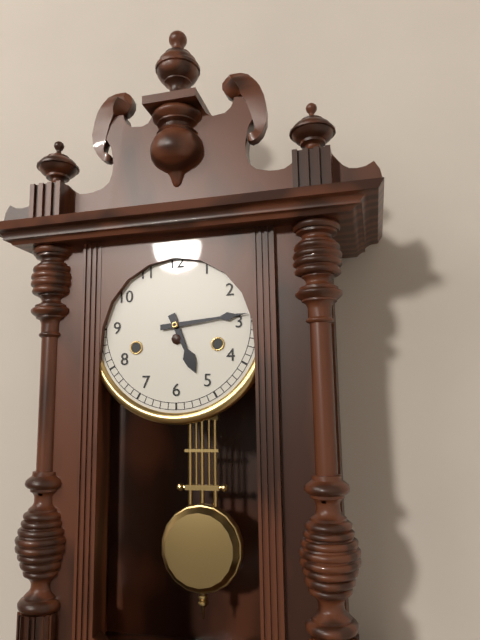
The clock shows 5:14
